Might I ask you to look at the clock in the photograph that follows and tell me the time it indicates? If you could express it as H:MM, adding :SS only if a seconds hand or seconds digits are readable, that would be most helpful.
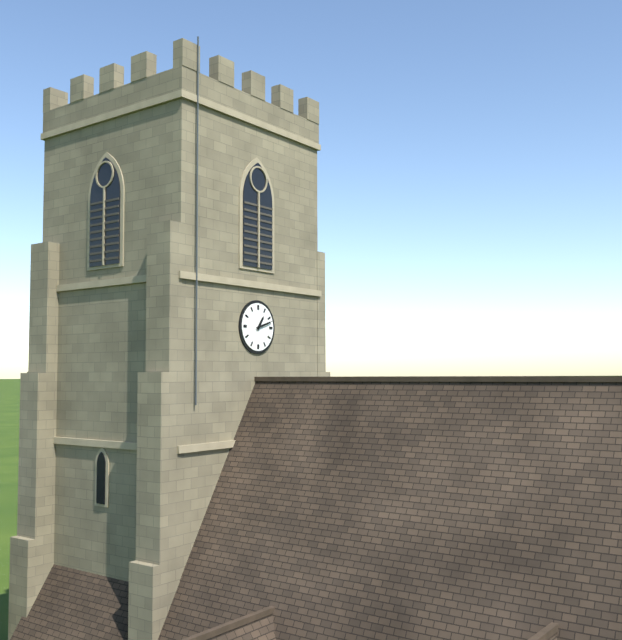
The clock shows 1:12
